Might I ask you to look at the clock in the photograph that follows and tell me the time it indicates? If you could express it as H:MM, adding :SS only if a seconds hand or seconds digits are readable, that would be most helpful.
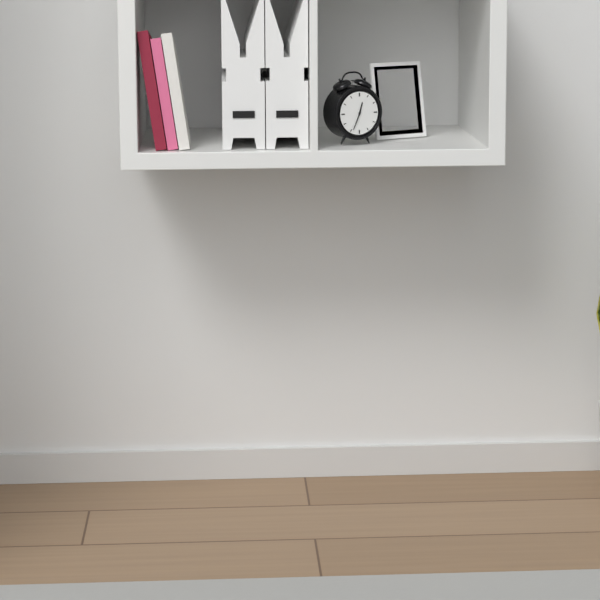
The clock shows 12:34
